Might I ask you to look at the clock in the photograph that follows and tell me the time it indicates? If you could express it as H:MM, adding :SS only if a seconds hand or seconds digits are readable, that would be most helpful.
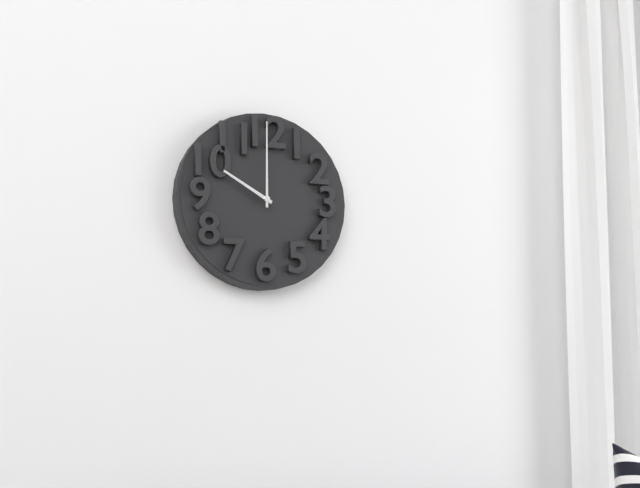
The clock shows 10:00
